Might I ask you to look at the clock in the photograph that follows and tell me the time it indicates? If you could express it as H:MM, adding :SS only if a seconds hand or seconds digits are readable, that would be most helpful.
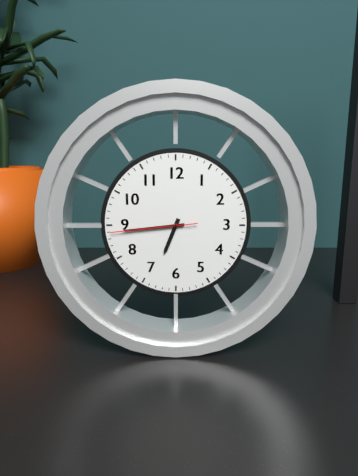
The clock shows 6:44:44
